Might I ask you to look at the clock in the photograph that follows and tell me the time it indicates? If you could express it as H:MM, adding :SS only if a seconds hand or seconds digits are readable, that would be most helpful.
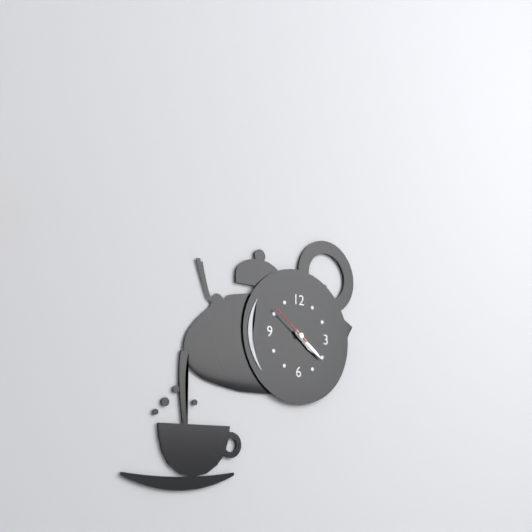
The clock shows 4:21
